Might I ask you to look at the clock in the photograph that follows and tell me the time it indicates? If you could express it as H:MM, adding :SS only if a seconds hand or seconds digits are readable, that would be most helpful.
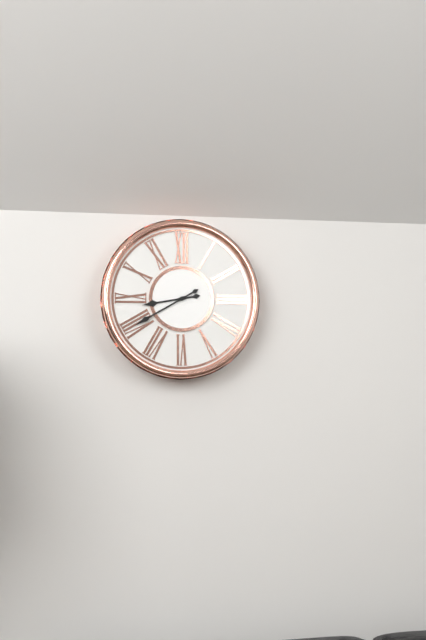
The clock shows 8:40
